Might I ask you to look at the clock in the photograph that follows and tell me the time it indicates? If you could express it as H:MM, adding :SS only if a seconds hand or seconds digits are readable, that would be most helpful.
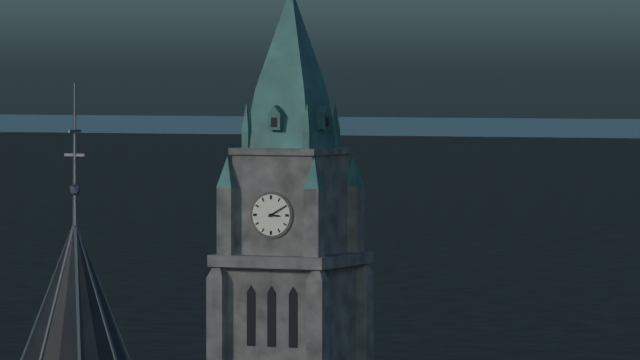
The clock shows 3:10
